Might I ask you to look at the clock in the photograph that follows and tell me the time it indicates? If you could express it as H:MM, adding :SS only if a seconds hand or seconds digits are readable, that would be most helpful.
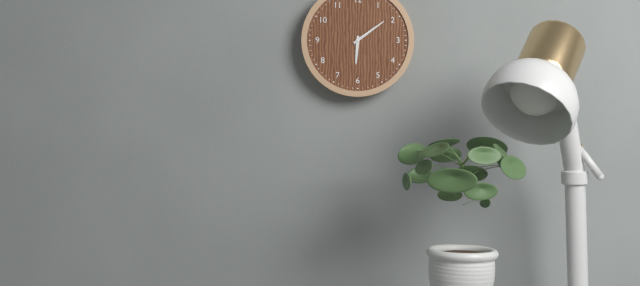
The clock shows 6:09
